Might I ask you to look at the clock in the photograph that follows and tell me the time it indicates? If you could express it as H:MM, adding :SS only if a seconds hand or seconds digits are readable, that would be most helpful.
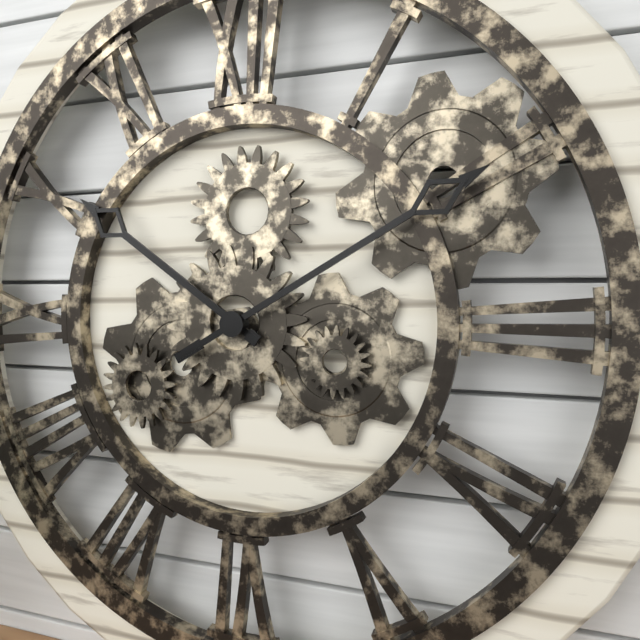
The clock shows 10:10
